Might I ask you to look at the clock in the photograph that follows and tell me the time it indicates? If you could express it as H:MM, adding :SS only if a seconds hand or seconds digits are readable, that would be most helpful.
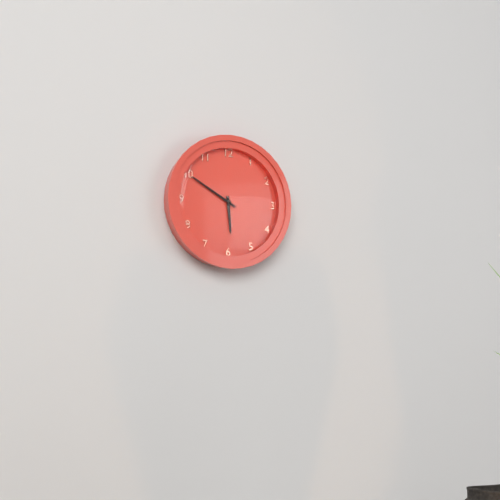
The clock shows 5:50
